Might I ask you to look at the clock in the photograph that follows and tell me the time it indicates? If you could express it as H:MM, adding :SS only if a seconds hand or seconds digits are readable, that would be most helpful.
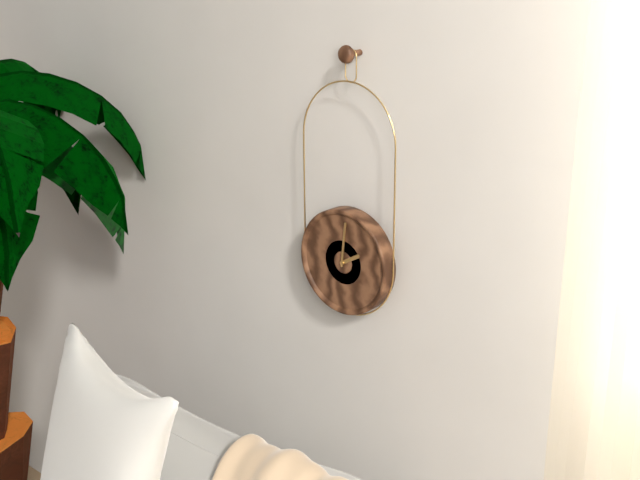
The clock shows 2:01
